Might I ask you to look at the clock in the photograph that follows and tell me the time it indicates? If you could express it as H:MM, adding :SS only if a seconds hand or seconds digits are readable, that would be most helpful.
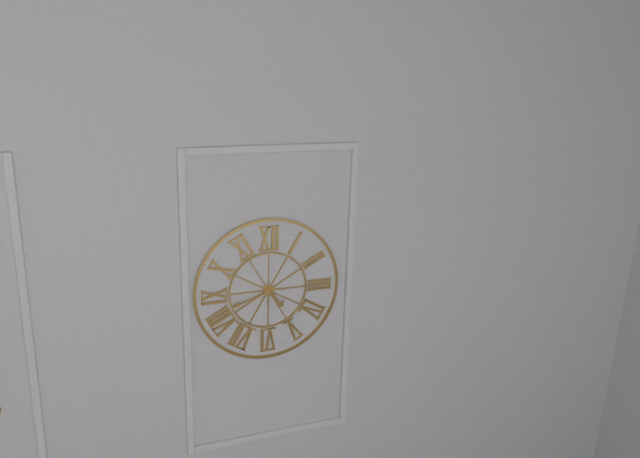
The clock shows 4:42
